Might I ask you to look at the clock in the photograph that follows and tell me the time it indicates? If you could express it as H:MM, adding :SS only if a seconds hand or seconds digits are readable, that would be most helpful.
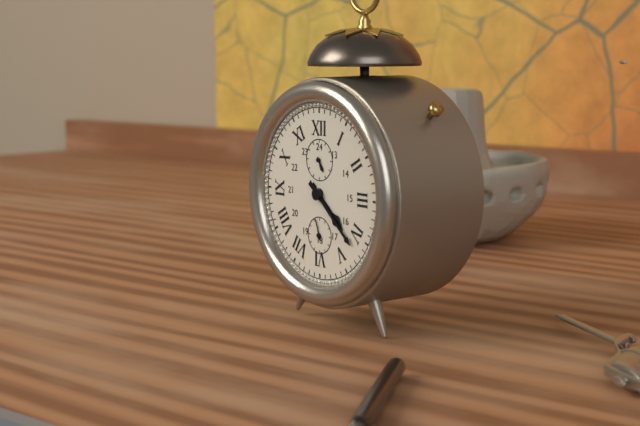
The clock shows 4:22:57
